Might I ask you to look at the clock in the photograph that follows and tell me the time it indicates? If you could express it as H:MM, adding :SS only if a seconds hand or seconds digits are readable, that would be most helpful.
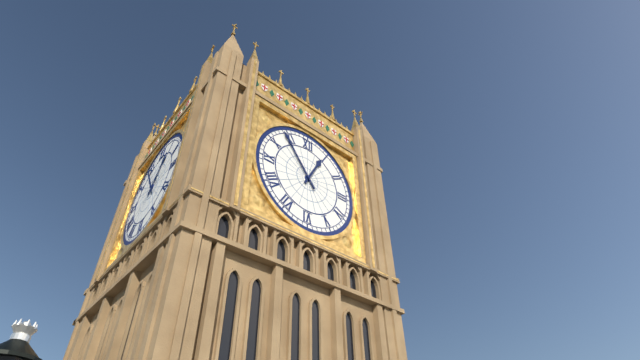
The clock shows 12:54
